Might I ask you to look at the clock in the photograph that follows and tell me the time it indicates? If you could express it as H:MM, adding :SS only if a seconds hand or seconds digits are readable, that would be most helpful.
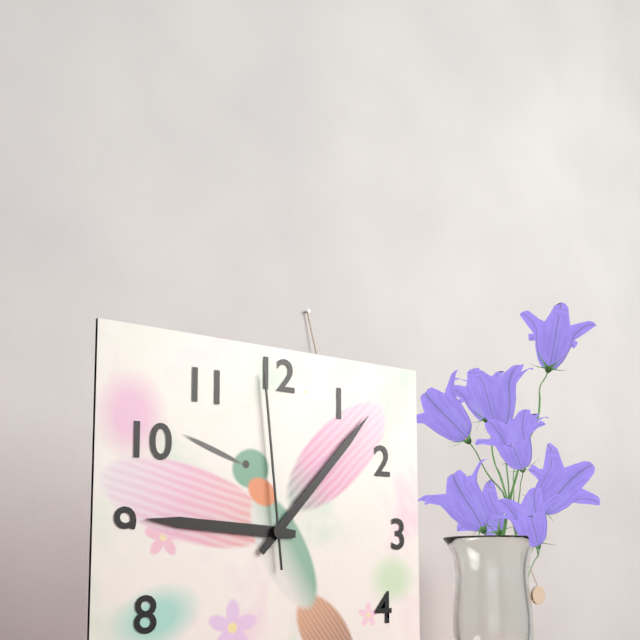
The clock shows 9:07:59
